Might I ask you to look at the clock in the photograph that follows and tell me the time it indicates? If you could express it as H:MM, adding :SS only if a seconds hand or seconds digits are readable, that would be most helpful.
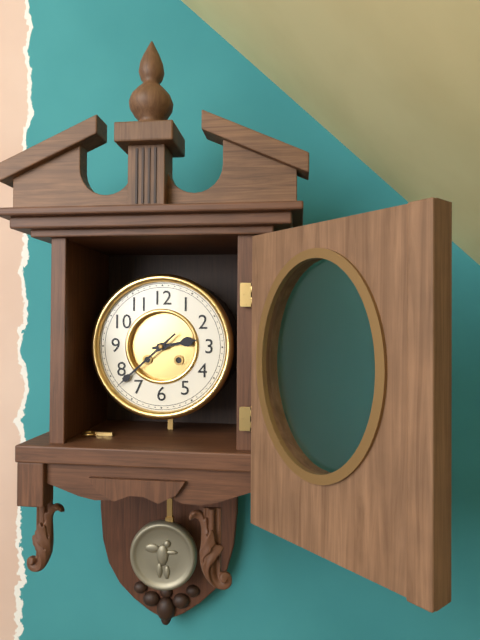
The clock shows 2:38
